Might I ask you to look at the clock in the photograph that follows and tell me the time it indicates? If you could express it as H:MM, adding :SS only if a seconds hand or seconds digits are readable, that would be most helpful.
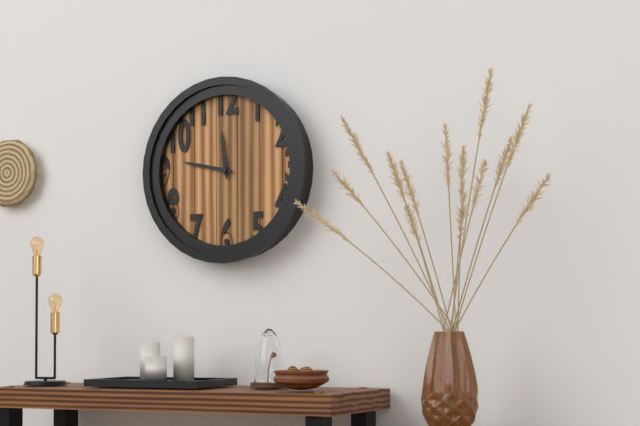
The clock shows 11:47
